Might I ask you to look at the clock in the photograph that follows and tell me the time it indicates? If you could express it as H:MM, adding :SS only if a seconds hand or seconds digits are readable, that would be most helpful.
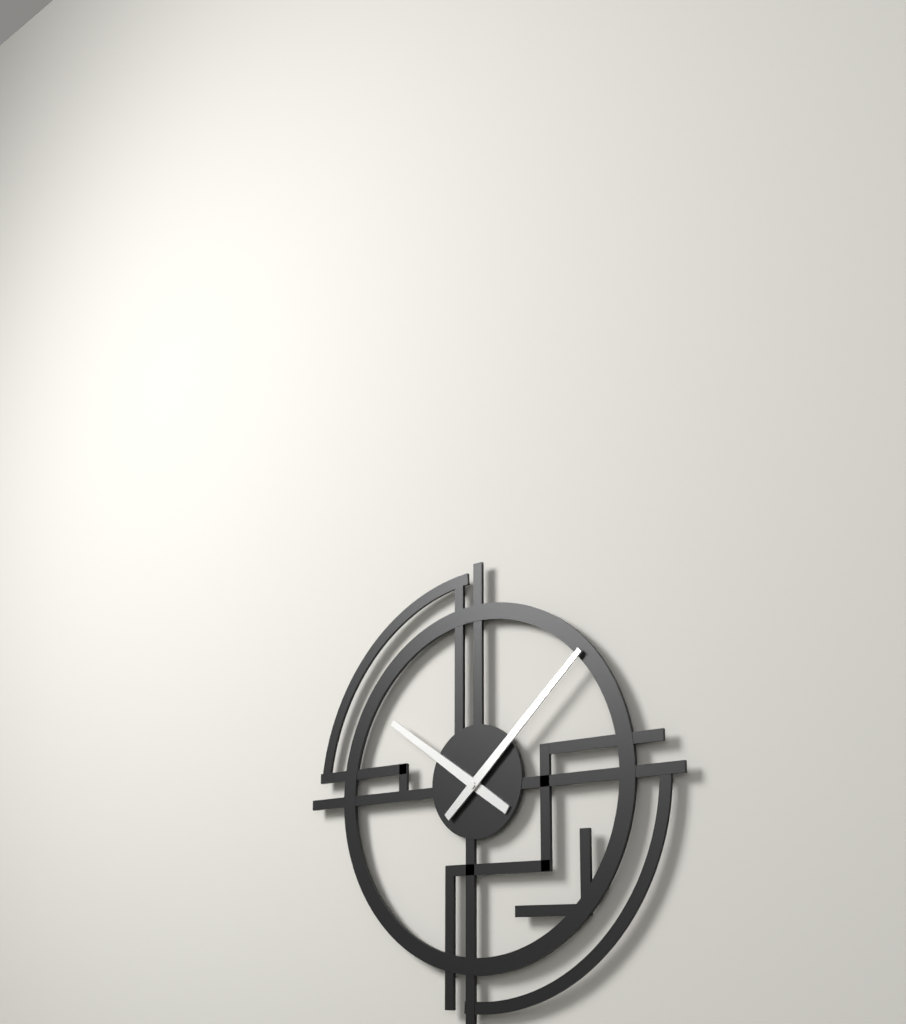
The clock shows 10:08
